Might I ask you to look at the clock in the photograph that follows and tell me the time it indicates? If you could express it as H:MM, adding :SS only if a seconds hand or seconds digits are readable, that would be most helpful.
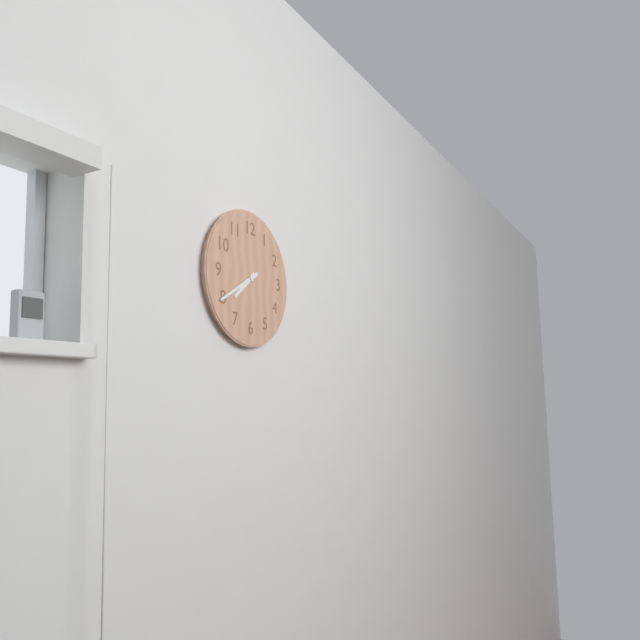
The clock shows 7:40
